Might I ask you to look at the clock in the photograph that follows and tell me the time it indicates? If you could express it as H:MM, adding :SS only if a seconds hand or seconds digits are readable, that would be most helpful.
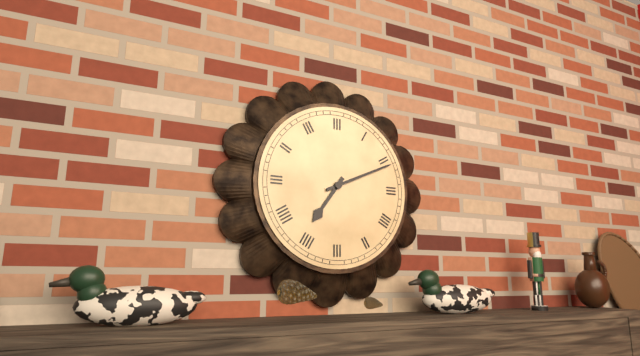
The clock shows 7:11
